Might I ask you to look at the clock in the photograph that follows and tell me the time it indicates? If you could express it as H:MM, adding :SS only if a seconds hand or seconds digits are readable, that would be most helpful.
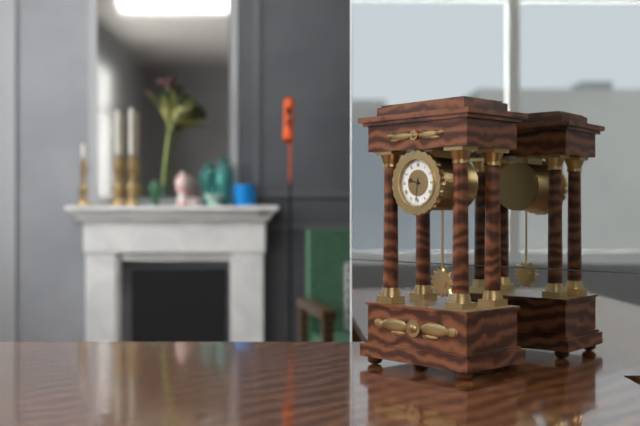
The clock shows 9:31
